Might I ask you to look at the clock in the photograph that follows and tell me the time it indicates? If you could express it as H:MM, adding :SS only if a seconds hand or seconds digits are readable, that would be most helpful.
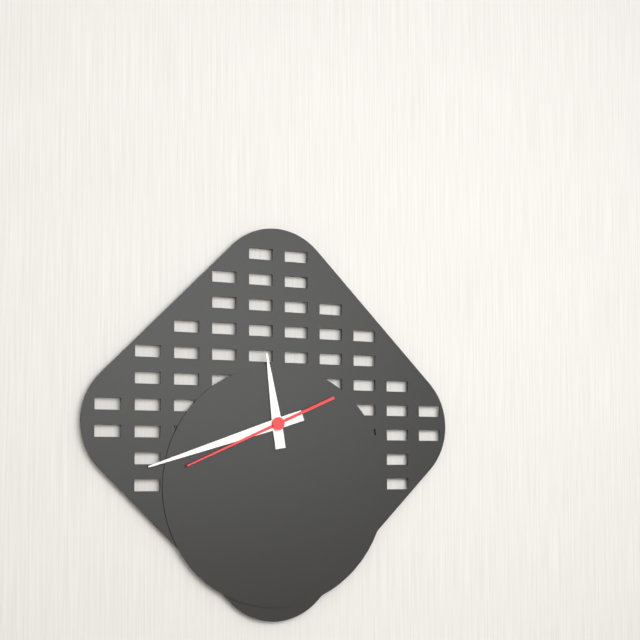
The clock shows 11:42:41
